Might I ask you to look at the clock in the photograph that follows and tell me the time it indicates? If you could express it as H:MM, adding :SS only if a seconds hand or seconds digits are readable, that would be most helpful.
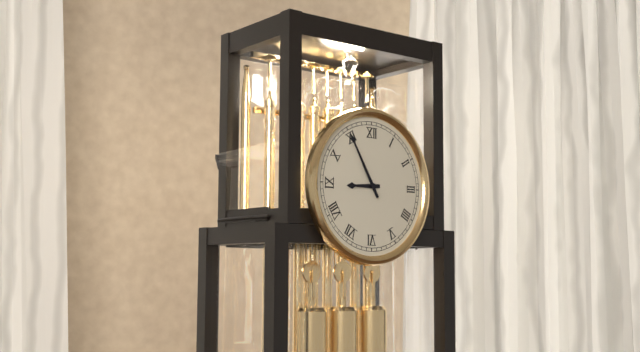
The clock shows 8:55
